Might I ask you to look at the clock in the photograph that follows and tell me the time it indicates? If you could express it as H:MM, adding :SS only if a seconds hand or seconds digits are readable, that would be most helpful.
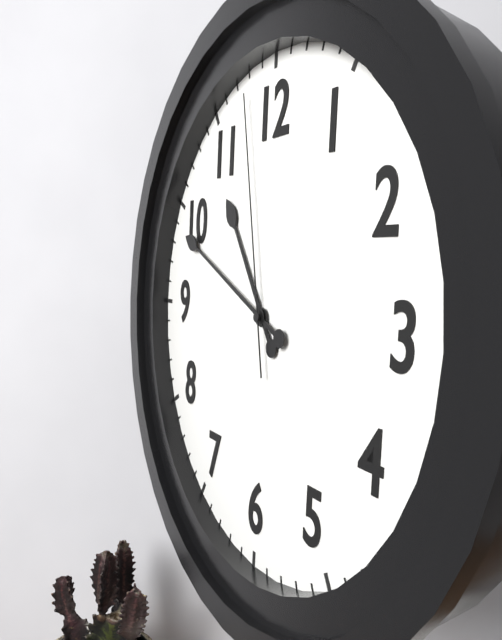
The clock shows 10:49:58
